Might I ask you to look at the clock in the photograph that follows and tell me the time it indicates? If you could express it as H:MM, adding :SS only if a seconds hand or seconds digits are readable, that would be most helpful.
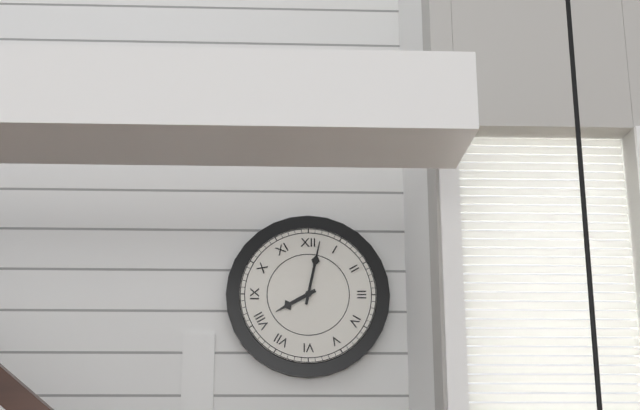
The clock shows 8:02
